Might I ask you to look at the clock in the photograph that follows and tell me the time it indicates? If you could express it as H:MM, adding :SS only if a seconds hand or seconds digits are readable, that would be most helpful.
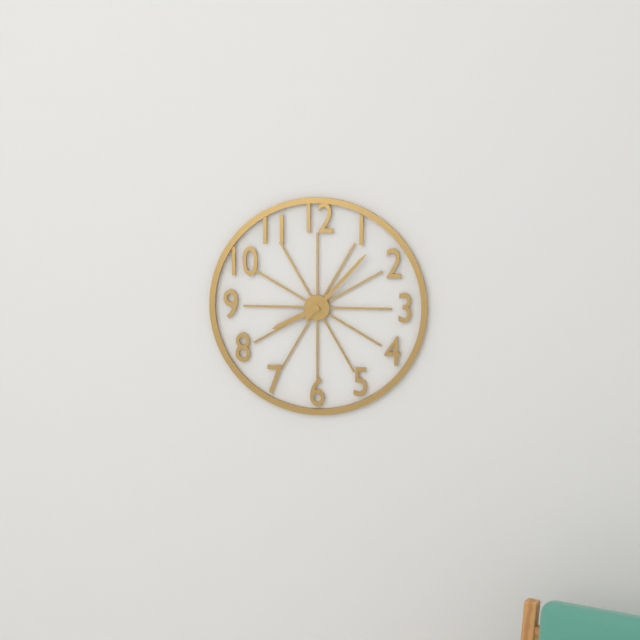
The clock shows 8:07
